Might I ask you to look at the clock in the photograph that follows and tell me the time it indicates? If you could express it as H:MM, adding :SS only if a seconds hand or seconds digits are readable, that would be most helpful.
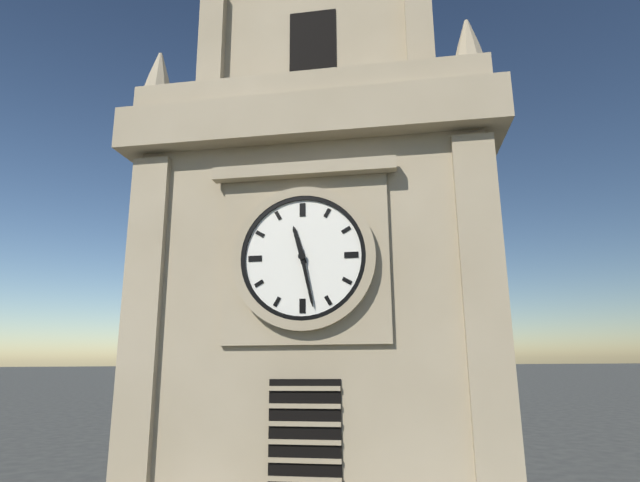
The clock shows 11:28
